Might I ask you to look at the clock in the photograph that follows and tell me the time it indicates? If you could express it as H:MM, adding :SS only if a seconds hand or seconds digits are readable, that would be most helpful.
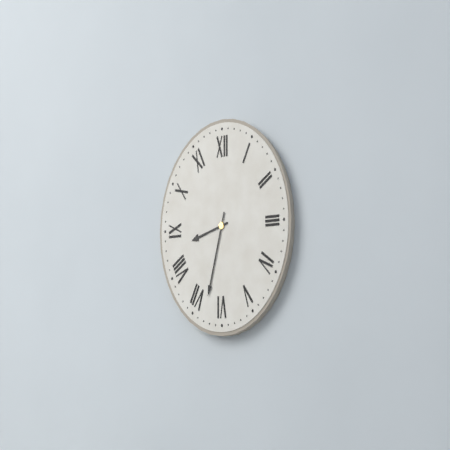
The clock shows 8:33
